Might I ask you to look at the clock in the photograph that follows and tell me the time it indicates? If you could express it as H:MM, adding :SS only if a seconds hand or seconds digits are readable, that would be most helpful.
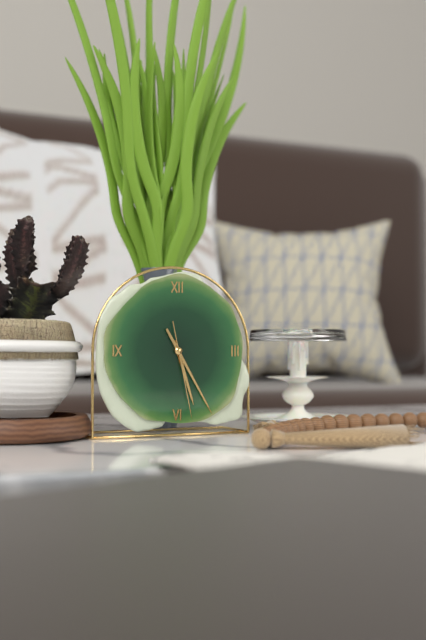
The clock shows 5:25:28
